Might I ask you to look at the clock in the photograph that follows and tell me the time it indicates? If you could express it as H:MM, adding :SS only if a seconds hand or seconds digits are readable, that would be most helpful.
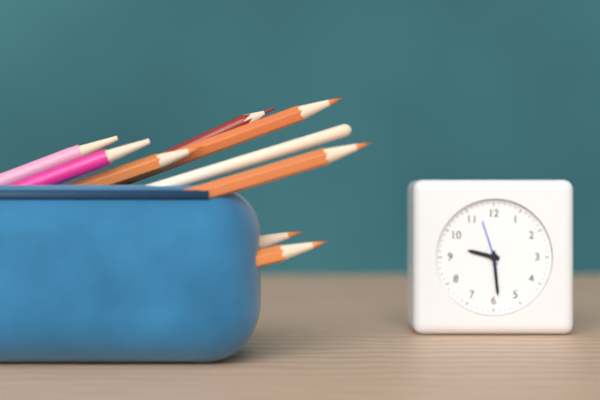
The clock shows 9:29
